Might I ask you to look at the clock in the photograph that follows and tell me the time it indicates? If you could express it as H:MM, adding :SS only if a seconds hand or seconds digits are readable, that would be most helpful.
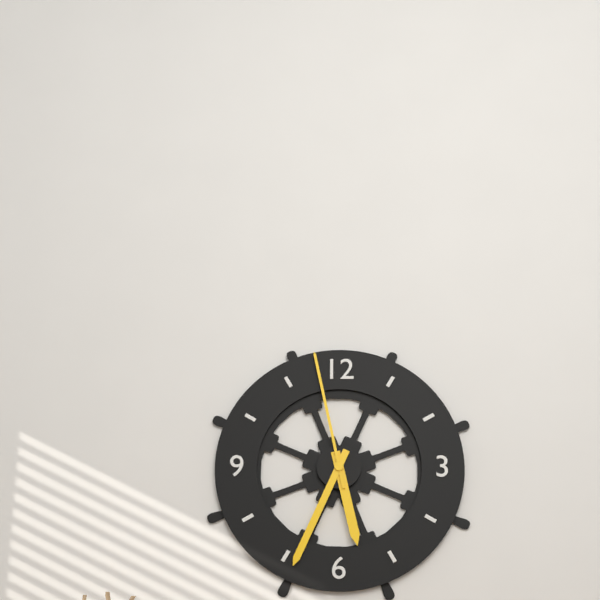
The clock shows 5:34:58
